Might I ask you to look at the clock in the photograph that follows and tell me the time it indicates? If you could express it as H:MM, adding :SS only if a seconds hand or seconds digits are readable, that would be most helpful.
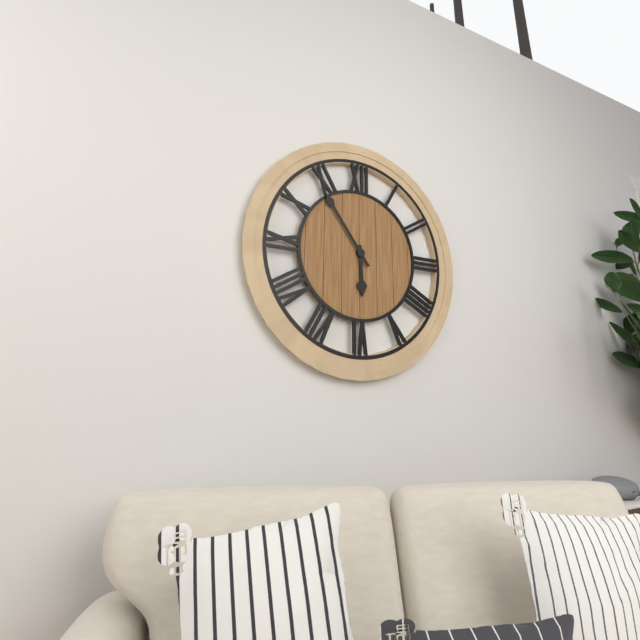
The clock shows 5:54
